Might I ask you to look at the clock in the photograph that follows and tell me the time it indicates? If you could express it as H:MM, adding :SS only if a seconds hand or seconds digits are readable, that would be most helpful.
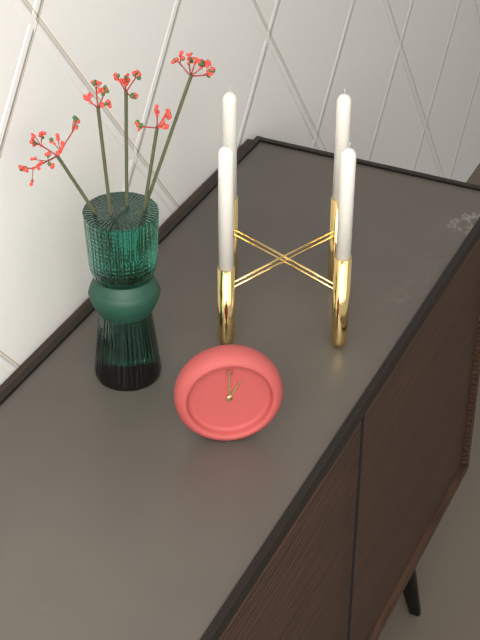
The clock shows 1:00
